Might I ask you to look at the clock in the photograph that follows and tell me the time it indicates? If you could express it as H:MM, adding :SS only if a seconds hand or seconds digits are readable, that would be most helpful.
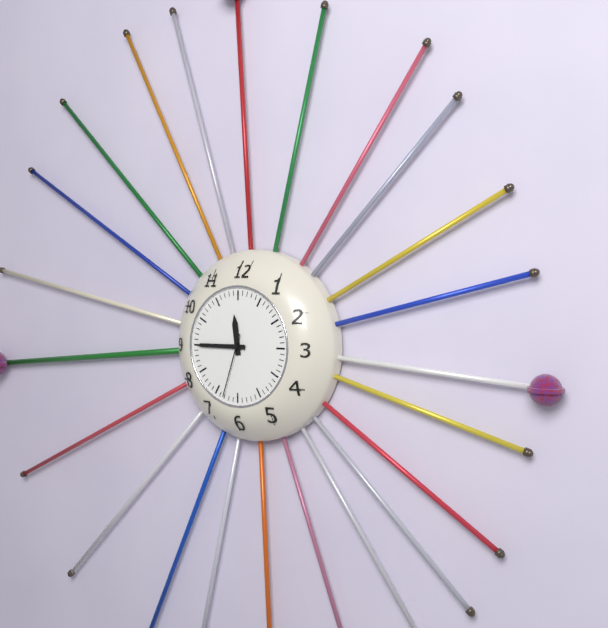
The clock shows 11:45:33
